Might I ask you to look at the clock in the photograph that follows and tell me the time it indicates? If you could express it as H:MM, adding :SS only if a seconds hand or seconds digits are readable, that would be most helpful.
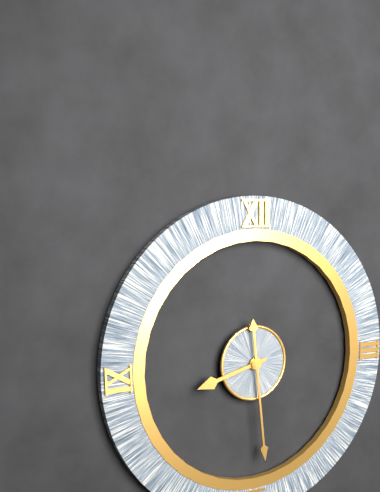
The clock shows 8:29
